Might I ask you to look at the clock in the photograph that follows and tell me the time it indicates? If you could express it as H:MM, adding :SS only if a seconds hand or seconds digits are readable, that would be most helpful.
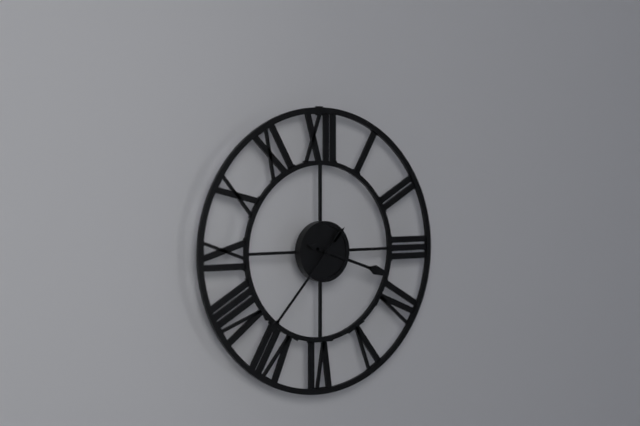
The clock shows 3:37
